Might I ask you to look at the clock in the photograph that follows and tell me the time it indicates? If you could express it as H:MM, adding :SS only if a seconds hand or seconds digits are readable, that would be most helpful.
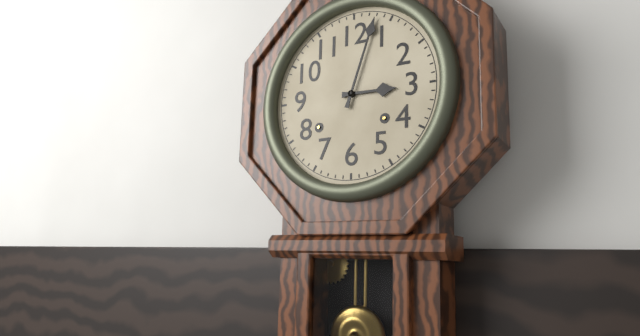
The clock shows 3:03
